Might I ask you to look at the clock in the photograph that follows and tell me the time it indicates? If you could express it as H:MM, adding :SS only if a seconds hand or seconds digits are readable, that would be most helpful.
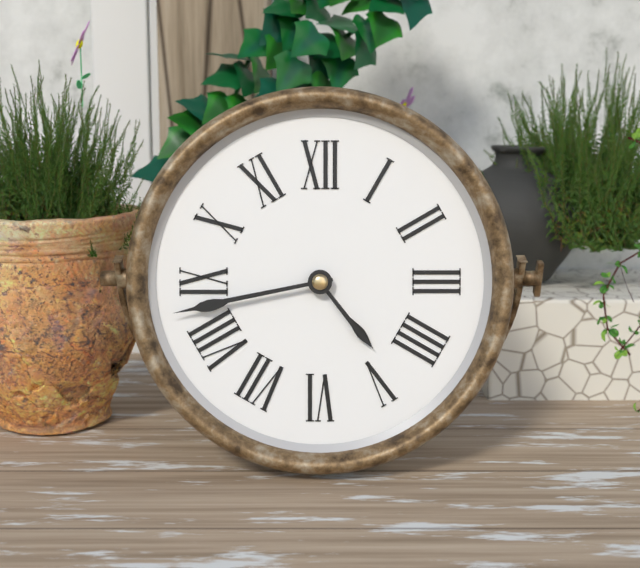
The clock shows 4:43
